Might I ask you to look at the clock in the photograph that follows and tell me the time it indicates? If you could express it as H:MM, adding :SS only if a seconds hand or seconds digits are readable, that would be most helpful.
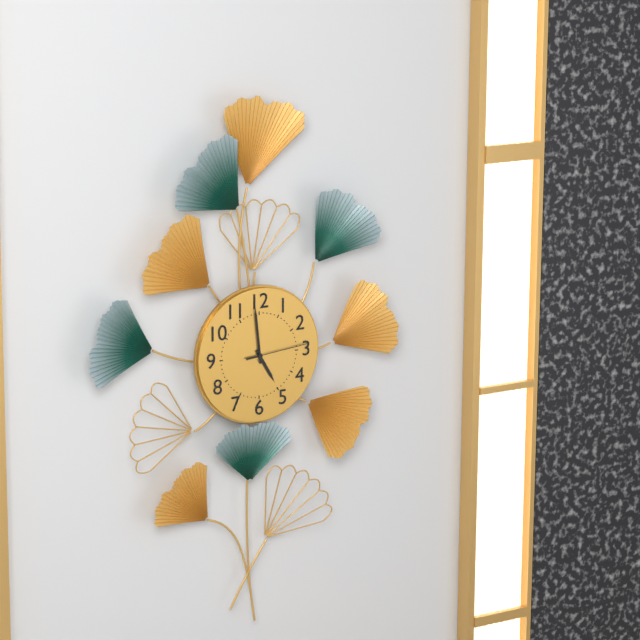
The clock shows 4:59:14
